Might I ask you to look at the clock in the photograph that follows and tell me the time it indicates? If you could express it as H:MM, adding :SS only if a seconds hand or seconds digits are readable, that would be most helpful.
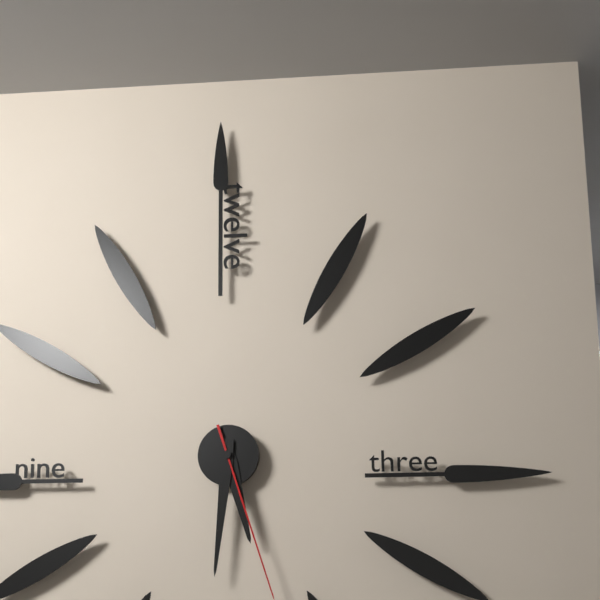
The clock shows 5:31
